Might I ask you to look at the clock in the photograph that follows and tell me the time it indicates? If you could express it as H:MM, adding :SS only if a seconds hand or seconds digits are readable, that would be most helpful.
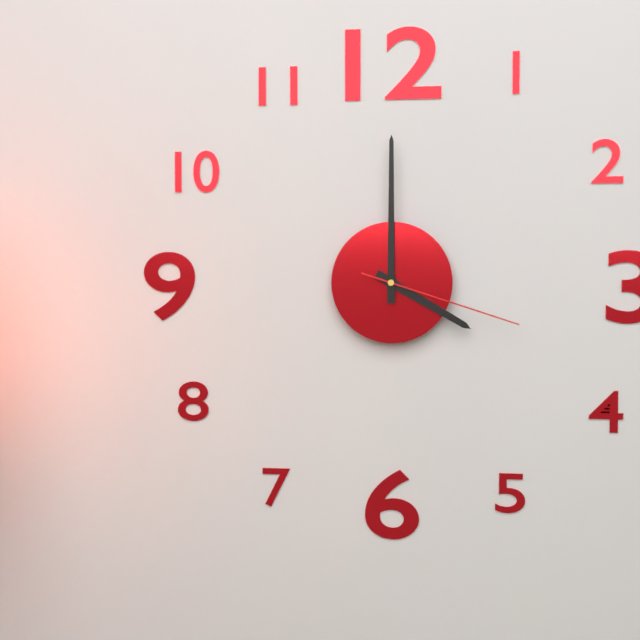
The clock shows 4:00:18
